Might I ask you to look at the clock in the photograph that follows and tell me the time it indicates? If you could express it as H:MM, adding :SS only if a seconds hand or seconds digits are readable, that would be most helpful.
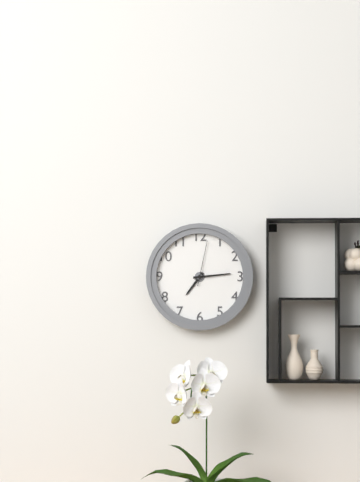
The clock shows 7:14
